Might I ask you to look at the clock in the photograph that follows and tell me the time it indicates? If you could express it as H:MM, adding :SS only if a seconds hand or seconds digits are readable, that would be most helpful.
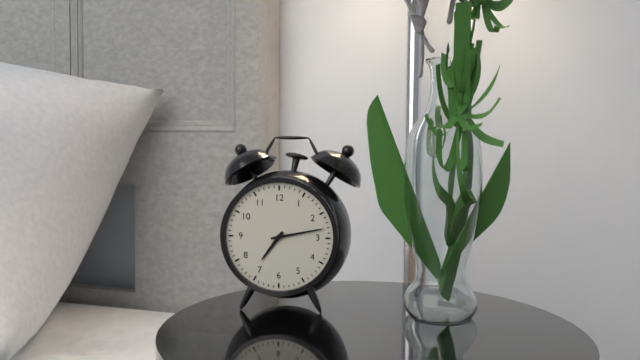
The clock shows 7:13
